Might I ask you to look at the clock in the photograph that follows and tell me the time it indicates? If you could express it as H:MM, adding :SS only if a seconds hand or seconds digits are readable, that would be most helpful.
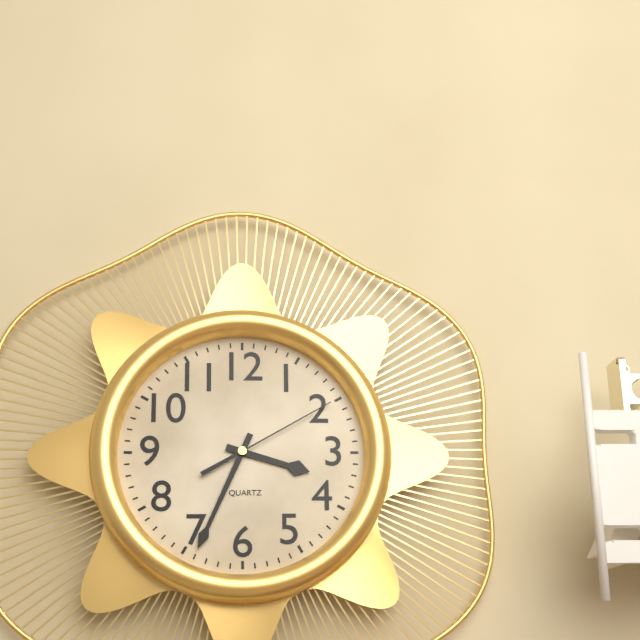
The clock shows 3:34:10
